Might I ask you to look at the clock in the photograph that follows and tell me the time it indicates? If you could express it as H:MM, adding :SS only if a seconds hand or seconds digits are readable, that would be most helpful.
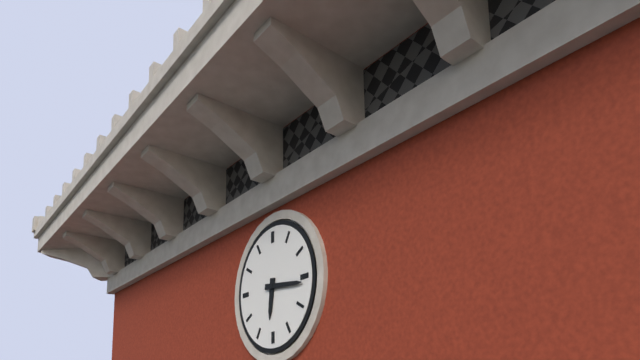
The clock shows 6:16
